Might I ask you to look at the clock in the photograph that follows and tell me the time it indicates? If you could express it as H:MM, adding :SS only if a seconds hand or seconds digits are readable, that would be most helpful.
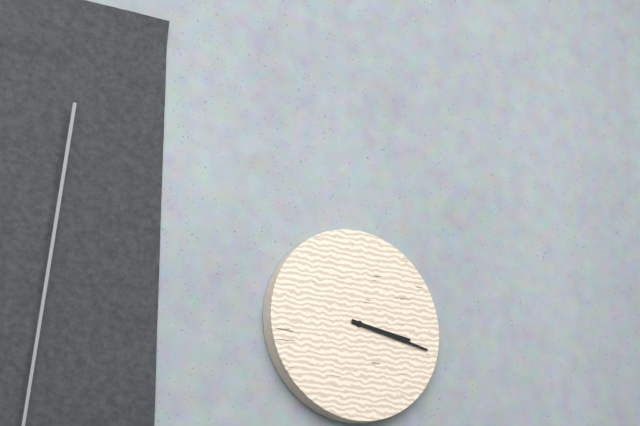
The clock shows 3:17
